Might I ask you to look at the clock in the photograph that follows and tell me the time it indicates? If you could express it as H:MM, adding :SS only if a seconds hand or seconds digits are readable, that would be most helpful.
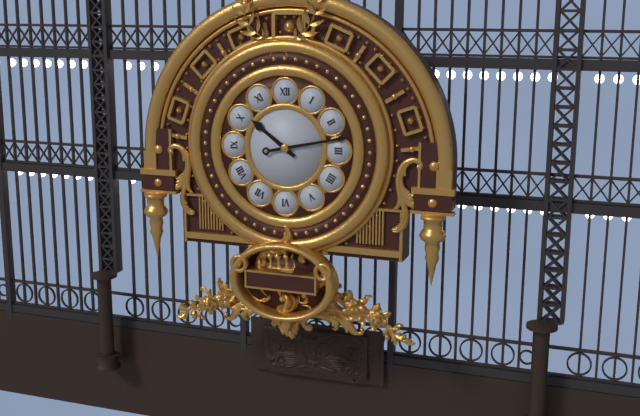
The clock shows 10:13
